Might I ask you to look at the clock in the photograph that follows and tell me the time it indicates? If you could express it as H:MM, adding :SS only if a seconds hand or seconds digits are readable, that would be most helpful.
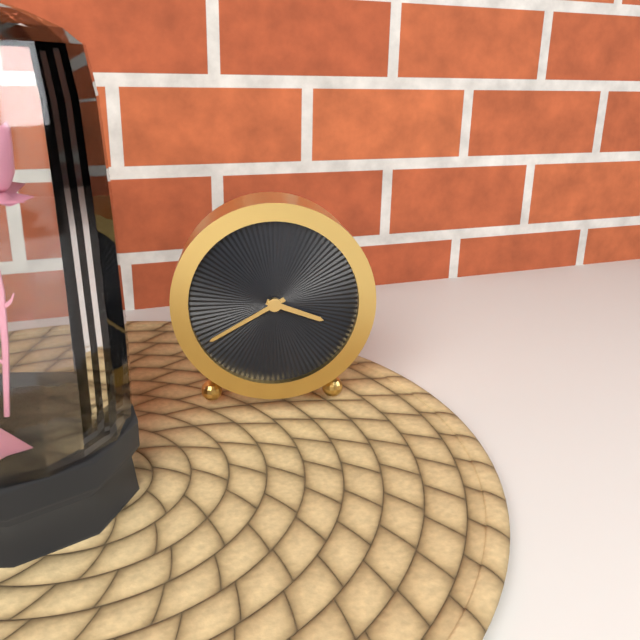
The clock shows 3:40
